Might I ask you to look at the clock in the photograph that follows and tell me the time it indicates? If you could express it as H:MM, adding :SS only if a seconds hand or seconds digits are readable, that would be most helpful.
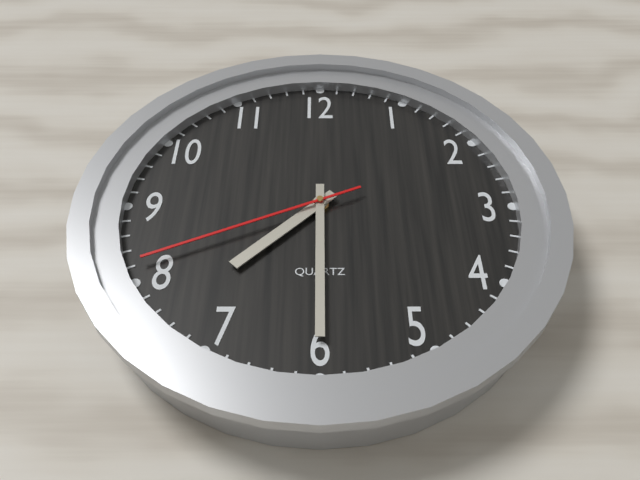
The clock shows 7:30:41
